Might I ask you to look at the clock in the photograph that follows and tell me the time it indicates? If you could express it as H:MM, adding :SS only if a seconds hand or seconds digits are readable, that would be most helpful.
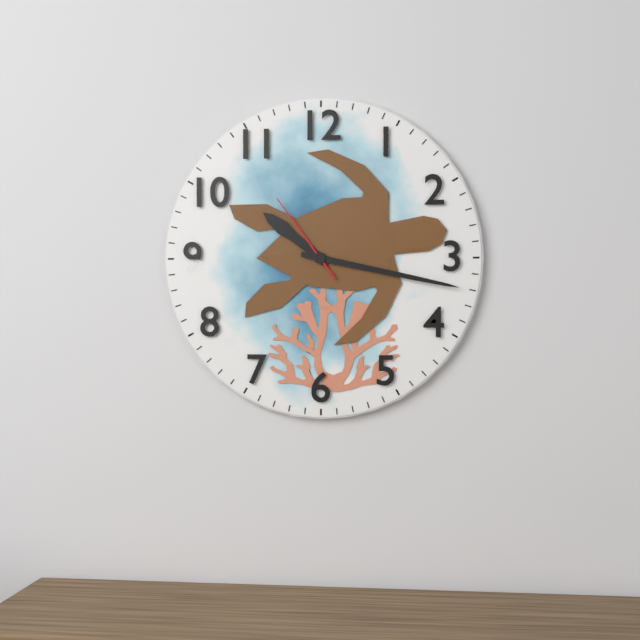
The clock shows 10:17:54
